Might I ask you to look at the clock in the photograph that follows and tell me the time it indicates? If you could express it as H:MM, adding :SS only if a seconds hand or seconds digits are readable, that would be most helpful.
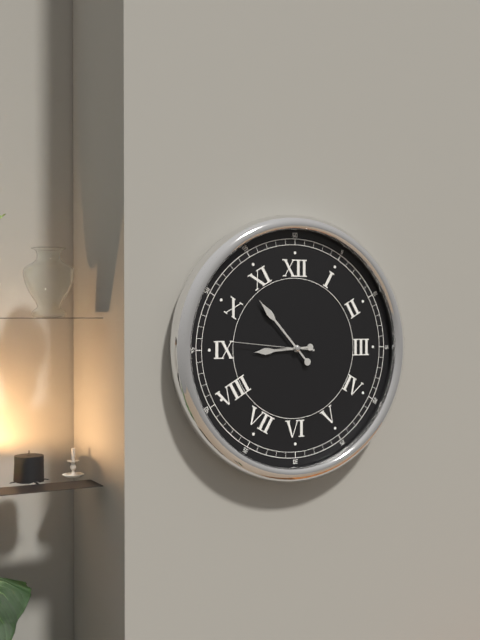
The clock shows 8:53:46
